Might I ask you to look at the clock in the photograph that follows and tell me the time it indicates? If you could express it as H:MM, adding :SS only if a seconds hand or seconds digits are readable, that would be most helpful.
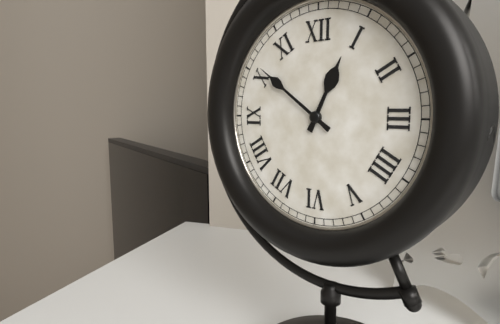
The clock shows 12:51
